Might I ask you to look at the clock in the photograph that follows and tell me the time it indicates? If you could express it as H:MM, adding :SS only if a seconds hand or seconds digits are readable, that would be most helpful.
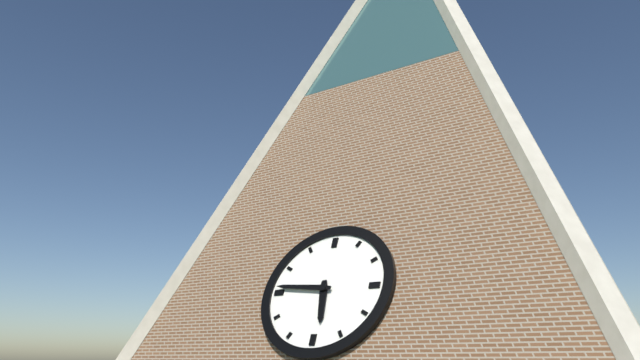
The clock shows 5:46
